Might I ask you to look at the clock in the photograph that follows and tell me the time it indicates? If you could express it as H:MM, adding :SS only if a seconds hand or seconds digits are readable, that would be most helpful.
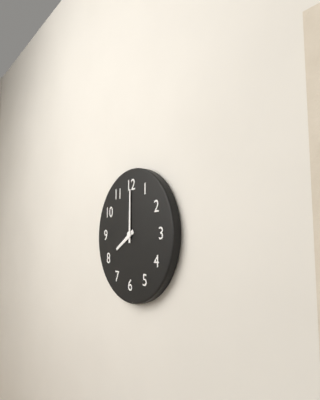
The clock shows 8:00
